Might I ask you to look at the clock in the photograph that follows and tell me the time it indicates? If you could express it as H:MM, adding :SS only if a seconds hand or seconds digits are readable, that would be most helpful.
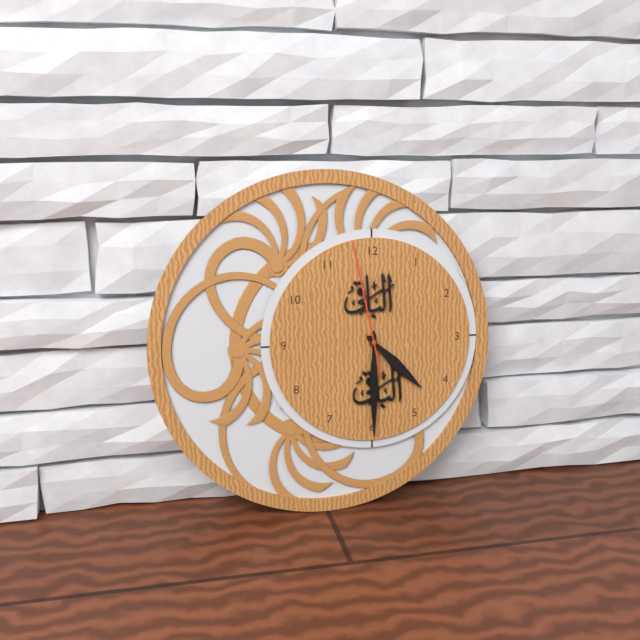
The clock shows 4:30:58
